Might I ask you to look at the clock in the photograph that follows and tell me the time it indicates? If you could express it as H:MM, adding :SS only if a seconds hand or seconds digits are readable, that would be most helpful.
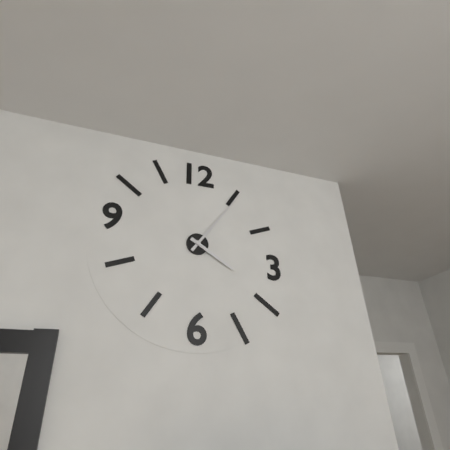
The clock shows 4:06
